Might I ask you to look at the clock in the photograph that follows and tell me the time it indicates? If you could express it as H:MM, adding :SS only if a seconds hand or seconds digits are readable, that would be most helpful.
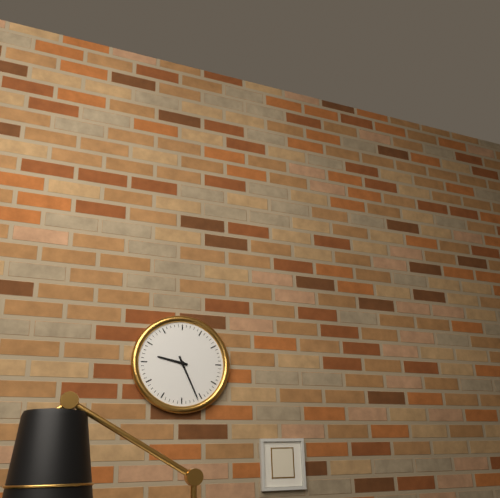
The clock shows 9:26
